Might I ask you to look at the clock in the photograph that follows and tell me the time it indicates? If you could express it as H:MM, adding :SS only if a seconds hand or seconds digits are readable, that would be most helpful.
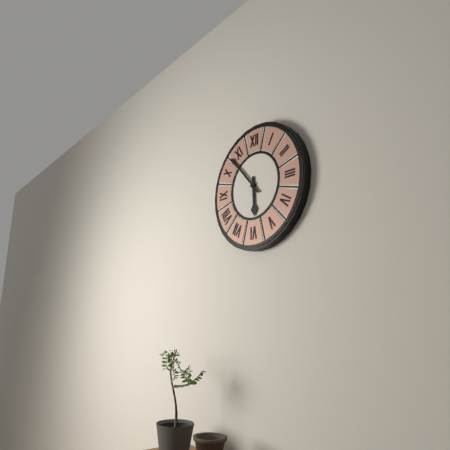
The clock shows 5:53
